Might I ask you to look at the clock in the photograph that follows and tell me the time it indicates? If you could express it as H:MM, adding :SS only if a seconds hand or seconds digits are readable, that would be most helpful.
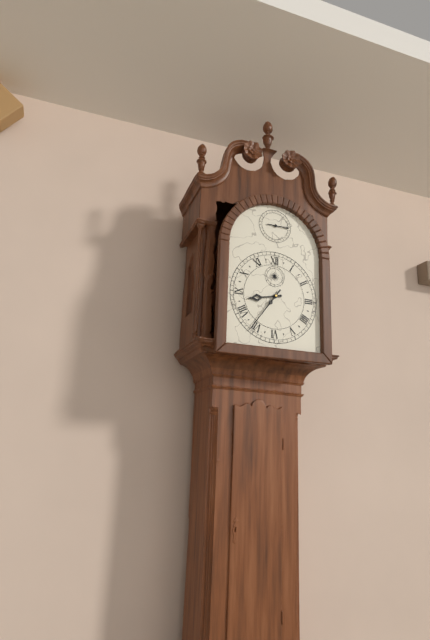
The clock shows 8:36
